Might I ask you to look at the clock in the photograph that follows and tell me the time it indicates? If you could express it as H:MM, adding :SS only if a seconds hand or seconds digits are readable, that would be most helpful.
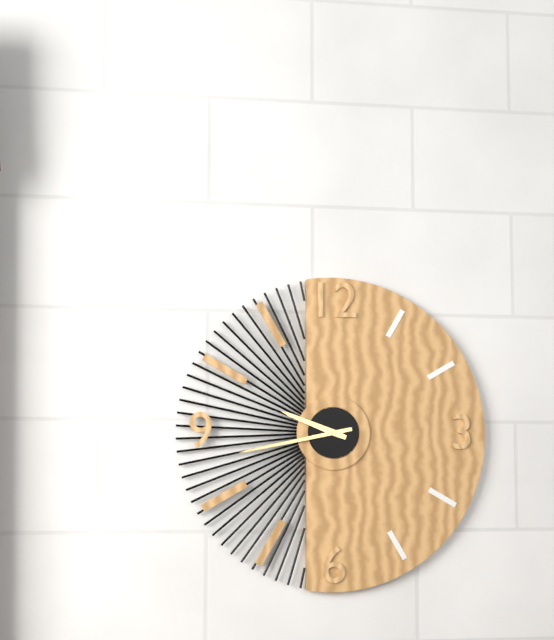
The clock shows 9:43
